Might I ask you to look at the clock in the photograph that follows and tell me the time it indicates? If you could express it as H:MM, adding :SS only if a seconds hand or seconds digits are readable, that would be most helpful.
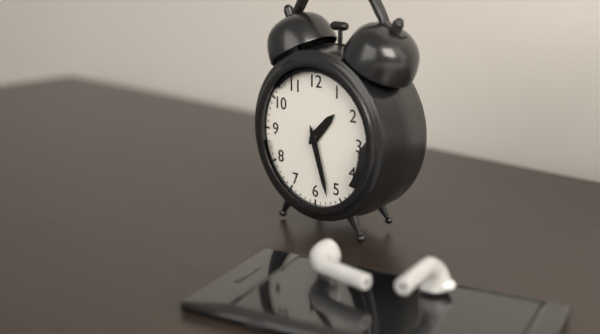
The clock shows 1:27
